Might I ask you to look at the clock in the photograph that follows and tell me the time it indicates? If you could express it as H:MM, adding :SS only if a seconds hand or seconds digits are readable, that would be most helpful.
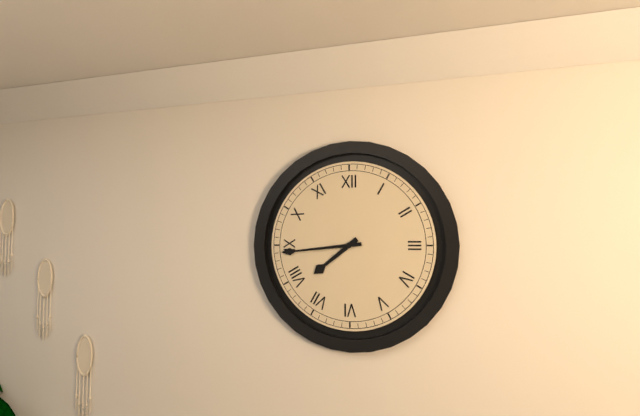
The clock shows 7:44
